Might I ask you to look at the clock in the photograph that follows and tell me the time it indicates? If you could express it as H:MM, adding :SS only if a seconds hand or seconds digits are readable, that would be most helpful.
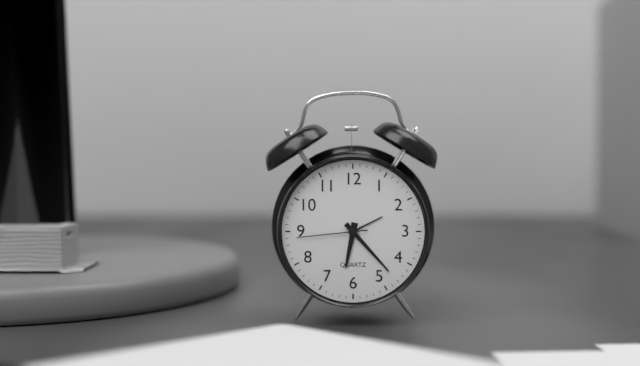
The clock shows 6:23:44
